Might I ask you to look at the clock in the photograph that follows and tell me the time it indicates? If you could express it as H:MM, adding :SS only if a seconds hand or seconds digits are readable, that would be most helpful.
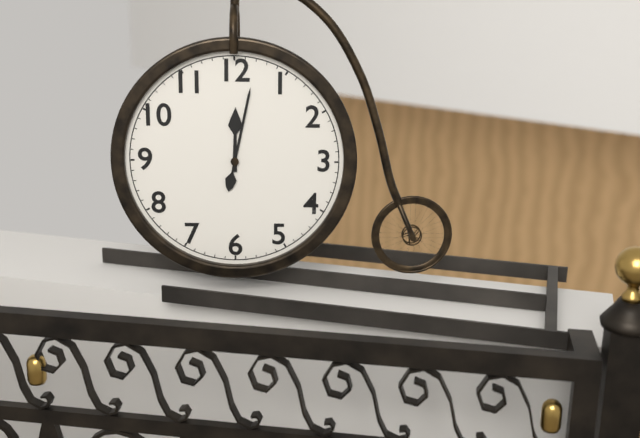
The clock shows 12:02
